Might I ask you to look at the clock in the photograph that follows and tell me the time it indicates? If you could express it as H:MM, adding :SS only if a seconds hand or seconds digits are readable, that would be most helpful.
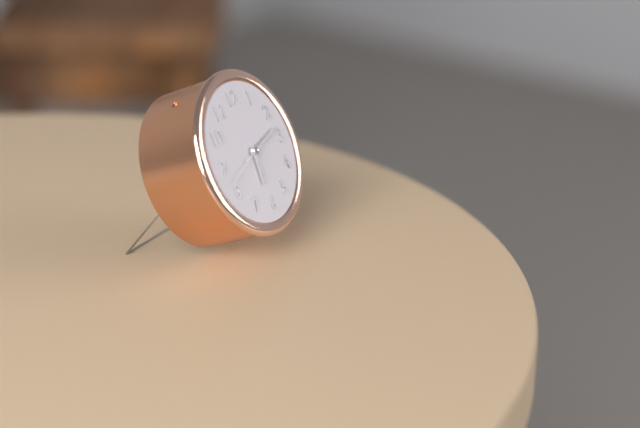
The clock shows 6:13:42
